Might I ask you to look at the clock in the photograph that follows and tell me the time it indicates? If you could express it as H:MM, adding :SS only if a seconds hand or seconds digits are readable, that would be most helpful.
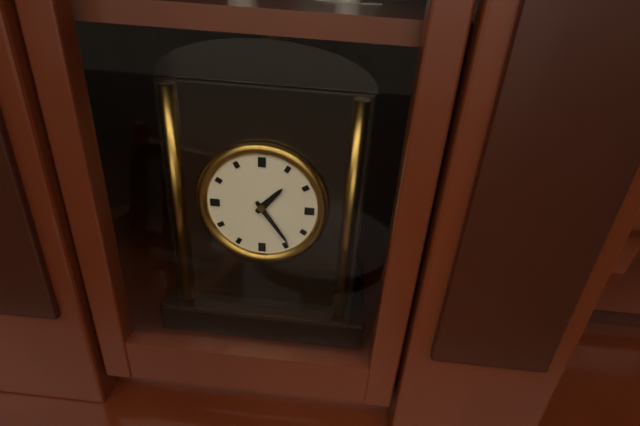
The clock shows 1:24
